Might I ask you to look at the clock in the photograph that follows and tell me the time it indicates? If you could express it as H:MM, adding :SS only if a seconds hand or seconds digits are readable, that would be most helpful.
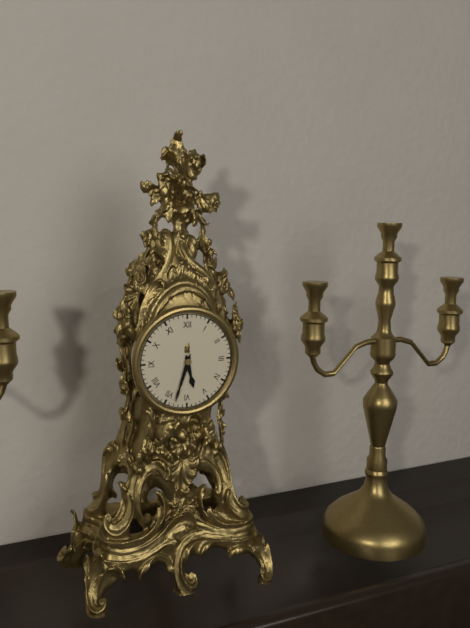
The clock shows 5:33
